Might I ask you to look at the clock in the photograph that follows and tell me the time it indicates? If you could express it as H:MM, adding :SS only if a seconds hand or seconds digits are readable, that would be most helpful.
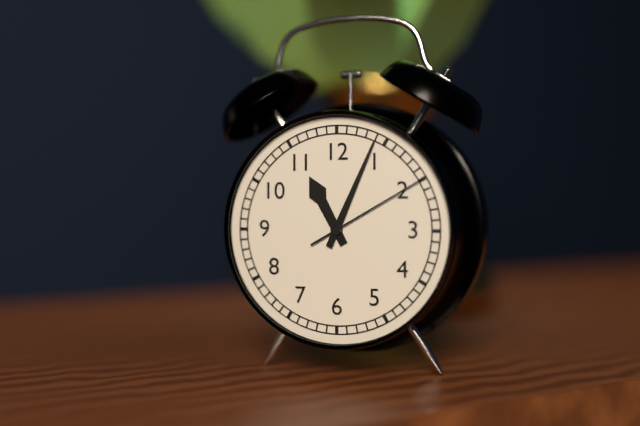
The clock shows 11:04:10
